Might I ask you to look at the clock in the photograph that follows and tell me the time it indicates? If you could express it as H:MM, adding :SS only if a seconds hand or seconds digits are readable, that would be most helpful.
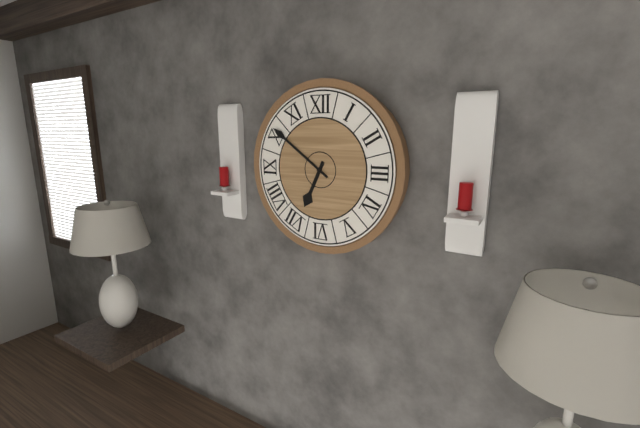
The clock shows 6:51
